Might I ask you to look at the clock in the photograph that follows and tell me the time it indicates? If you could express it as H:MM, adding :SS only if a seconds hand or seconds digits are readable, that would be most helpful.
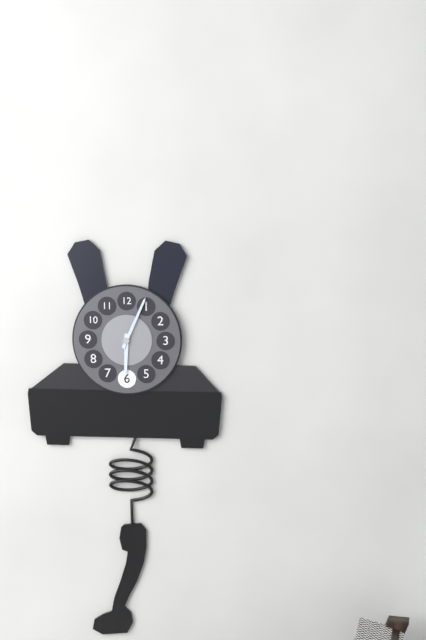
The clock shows 6:04
